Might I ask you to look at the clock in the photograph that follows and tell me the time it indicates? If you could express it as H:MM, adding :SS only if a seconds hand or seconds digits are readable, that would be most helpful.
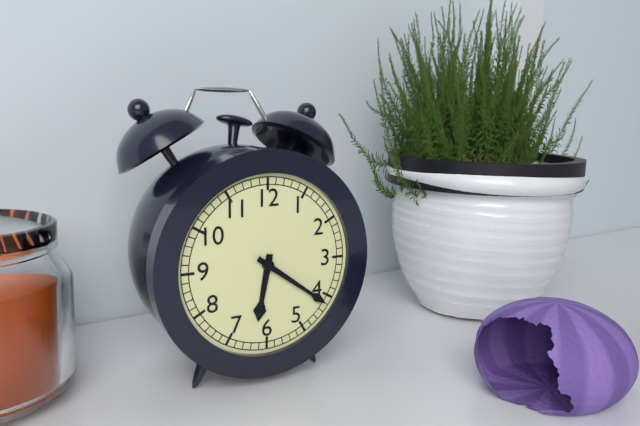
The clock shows 6:21
